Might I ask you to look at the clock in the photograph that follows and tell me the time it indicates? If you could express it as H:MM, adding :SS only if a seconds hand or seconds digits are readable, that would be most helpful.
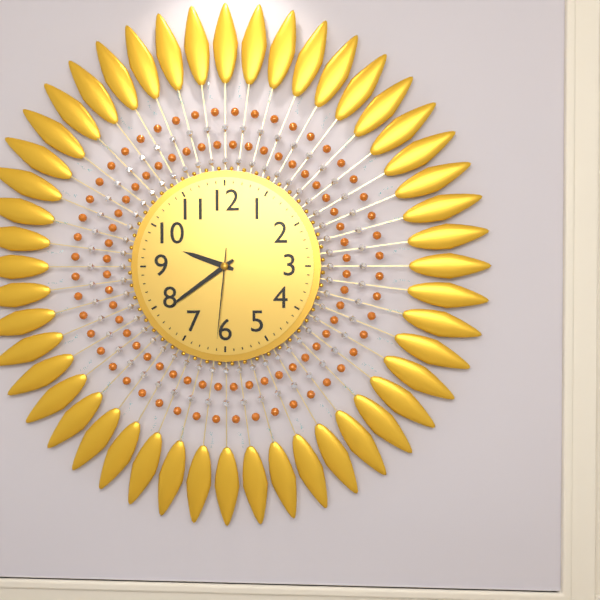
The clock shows 9:39:31
